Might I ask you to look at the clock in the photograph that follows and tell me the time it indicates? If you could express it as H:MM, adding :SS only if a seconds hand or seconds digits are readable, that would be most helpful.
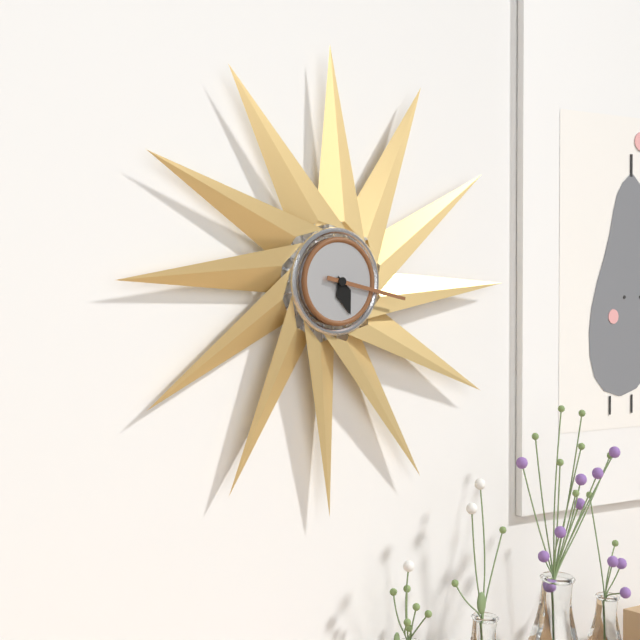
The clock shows 5:17
